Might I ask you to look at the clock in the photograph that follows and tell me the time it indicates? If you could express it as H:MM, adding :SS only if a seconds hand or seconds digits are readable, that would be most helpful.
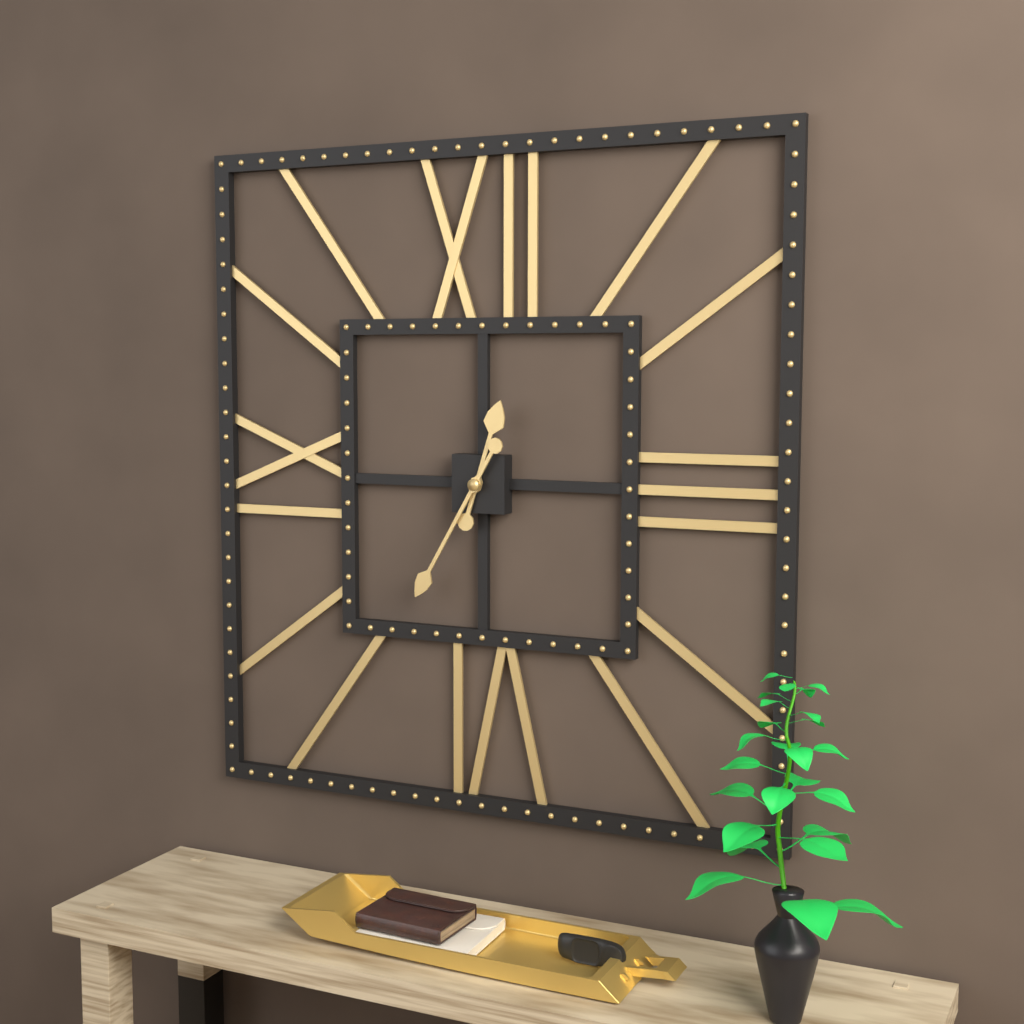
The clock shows 12:35
